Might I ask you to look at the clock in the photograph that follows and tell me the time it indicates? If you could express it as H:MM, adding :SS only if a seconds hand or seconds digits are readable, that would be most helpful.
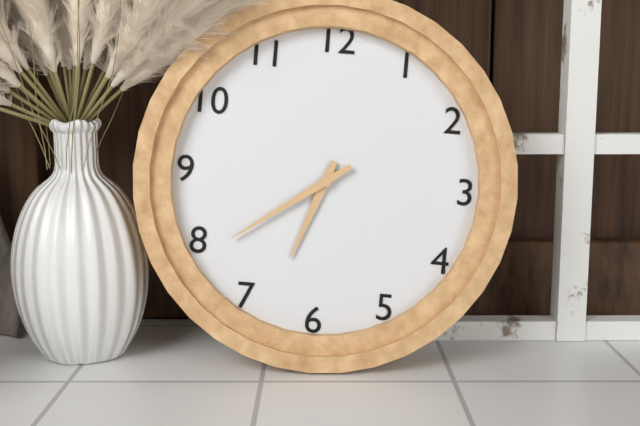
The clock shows 6:39
